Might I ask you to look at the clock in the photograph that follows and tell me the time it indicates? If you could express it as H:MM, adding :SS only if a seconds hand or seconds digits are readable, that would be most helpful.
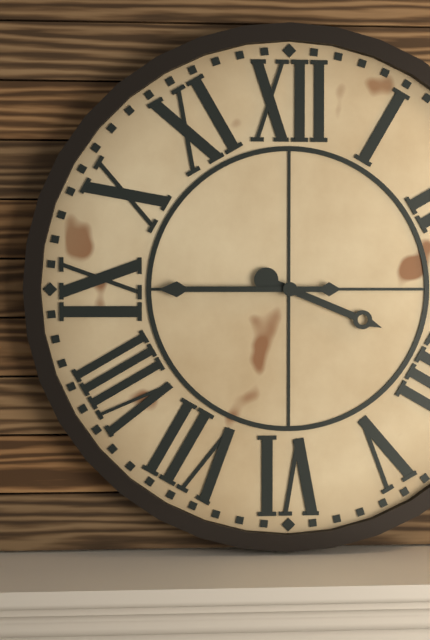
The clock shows 3:45
